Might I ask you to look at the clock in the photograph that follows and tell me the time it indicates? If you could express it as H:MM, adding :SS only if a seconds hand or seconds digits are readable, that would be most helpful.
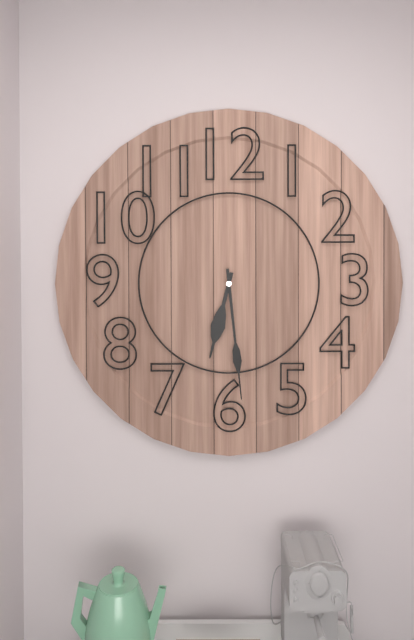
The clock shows 6:29
